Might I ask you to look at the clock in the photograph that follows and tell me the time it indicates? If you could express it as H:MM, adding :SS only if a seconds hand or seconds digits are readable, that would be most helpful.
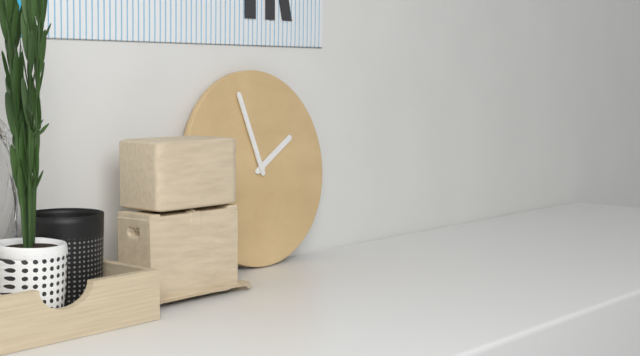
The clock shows 1:57
